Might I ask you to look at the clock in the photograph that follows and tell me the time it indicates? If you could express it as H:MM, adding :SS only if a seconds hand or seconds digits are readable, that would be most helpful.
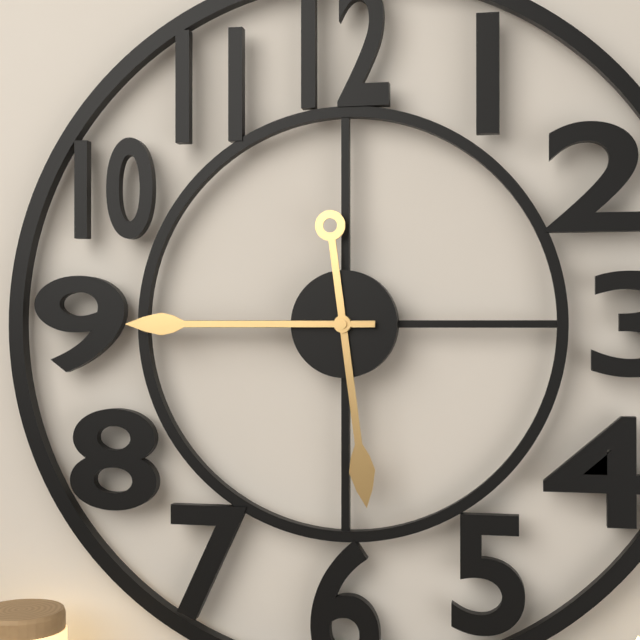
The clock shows 5:45
